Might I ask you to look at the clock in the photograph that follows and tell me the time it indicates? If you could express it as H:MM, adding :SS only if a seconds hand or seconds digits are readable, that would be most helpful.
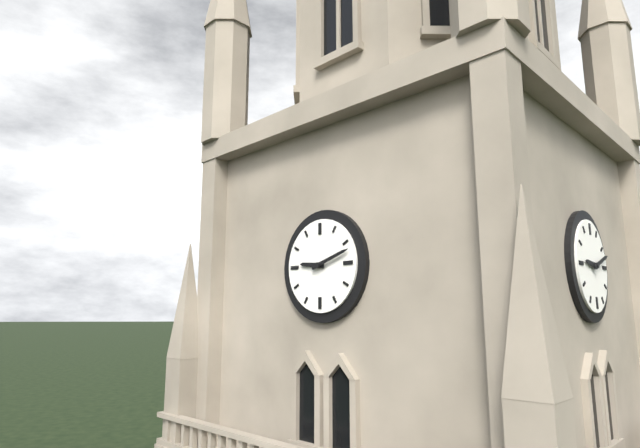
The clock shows 9:12
